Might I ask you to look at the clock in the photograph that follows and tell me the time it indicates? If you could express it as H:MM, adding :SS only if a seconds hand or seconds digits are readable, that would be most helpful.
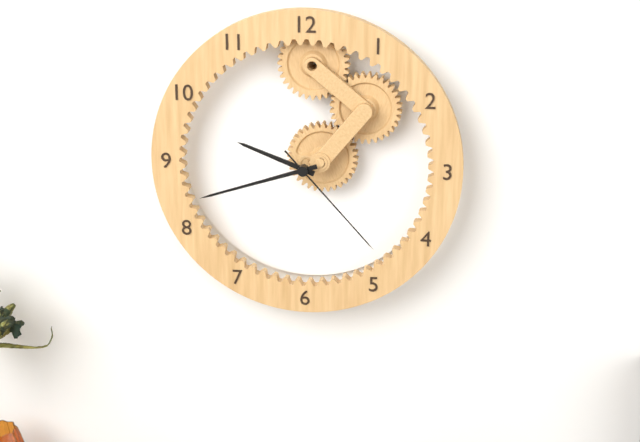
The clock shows 9:42:23
